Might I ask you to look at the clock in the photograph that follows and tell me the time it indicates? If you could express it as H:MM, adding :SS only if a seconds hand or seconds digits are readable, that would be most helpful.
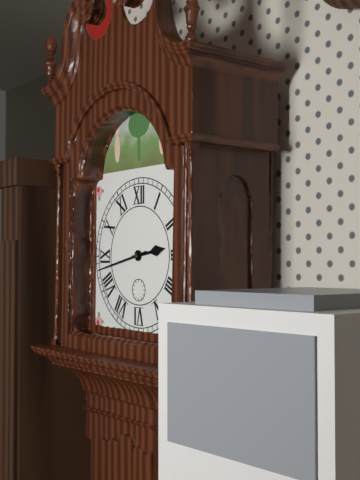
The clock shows 2:43
